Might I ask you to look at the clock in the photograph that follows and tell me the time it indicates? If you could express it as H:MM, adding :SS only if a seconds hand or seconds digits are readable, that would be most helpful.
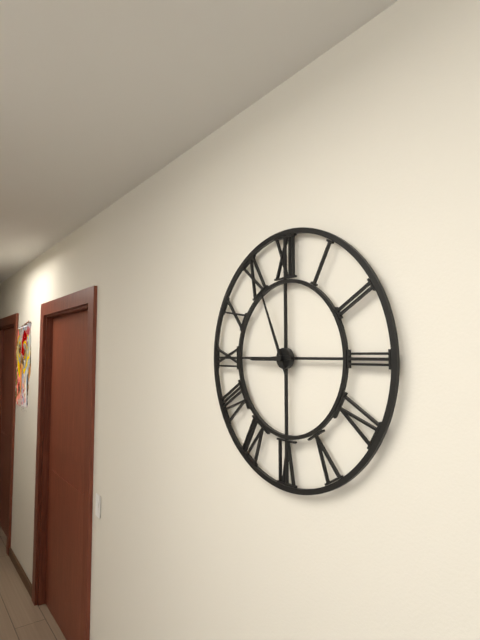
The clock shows 8:56
